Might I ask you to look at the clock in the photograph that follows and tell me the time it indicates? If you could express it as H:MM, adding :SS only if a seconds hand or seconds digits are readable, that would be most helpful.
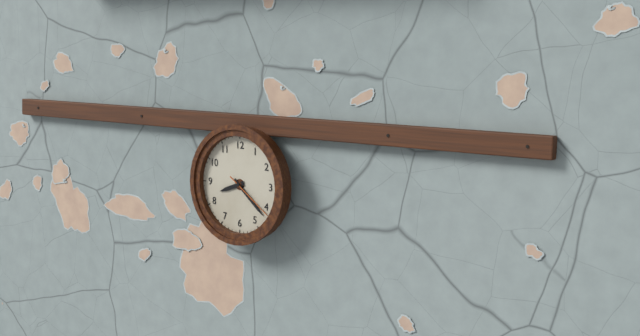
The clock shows 8:22:21
